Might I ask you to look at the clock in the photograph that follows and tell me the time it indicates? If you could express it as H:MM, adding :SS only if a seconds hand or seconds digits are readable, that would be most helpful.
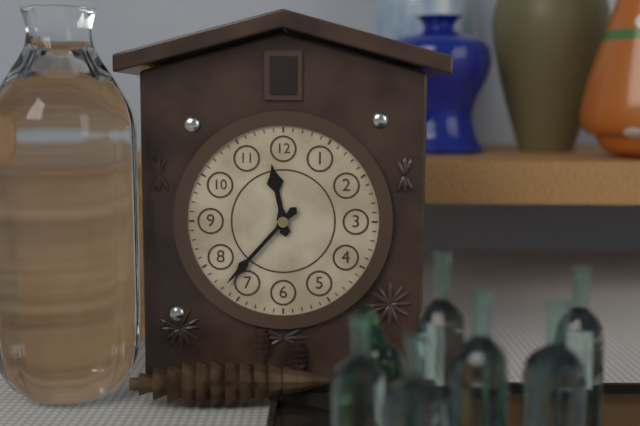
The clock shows 11:37
